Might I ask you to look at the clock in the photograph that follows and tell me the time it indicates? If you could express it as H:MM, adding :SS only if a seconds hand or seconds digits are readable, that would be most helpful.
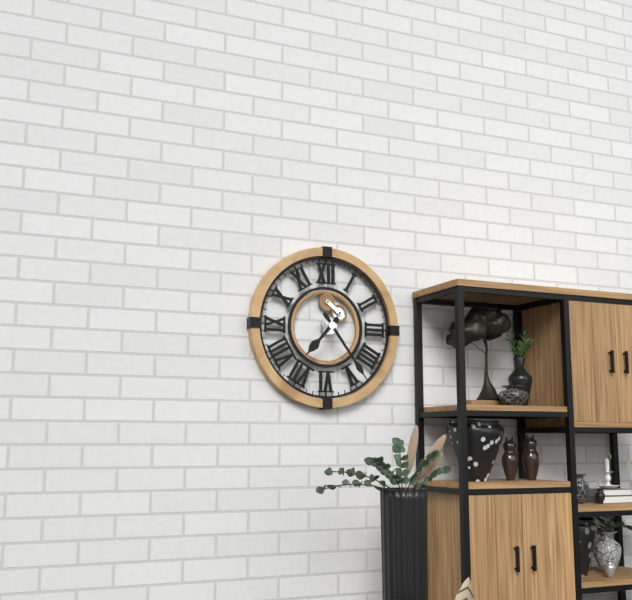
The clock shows 7:24
